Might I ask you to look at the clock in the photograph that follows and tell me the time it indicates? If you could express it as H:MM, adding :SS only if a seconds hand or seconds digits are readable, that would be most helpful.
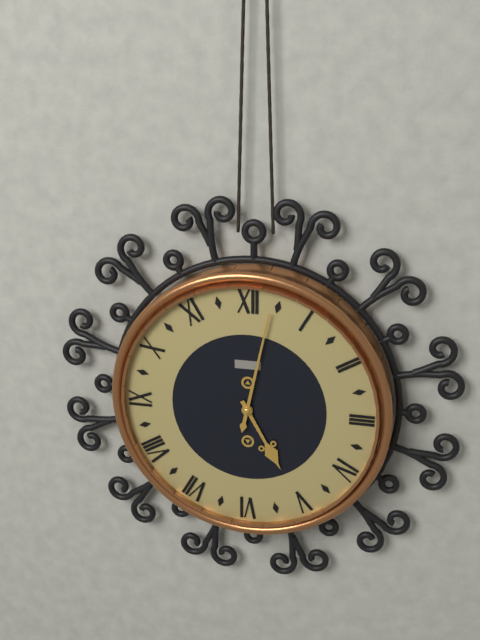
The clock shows 5:02
